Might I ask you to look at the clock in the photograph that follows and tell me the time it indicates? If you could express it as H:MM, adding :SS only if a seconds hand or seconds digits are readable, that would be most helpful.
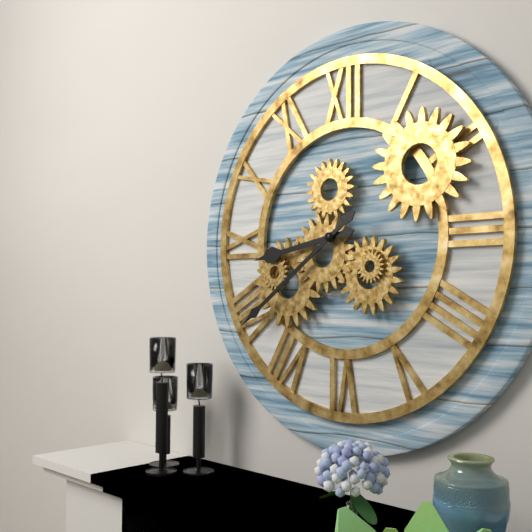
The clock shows 8:39
